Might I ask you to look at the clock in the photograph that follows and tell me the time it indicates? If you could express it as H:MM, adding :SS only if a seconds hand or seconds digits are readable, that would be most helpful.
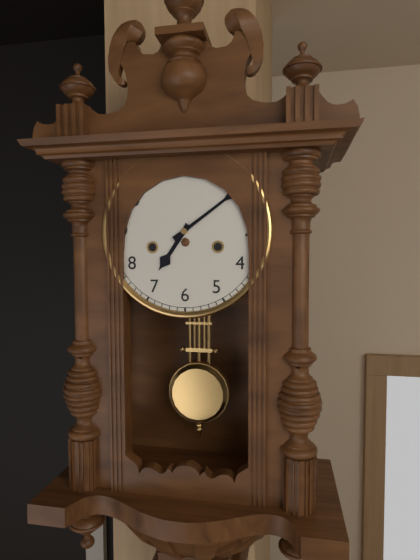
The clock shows 7:09
